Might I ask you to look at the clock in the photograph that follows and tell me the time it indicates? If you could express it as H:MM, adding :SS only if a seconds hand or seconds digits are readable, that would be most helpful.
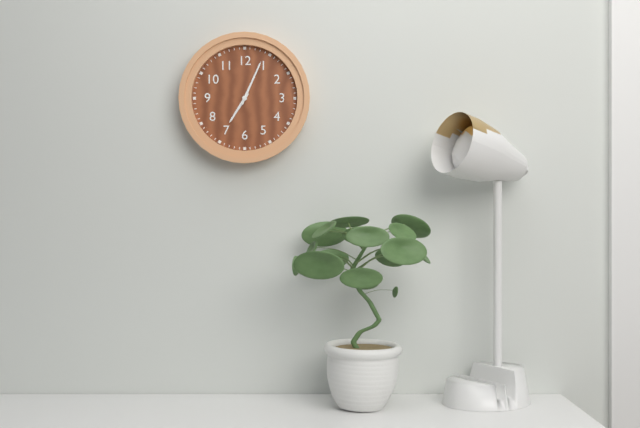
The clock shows 7:04
